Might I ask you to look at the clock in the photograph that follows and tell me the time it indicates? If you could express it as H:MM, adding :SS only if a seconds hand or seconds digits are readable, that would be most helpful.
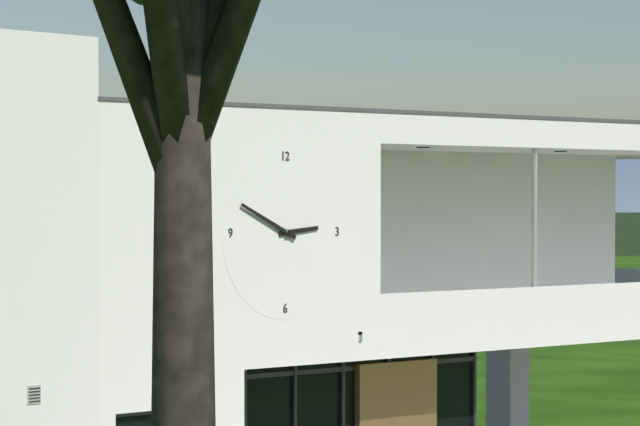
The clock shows 2:49
